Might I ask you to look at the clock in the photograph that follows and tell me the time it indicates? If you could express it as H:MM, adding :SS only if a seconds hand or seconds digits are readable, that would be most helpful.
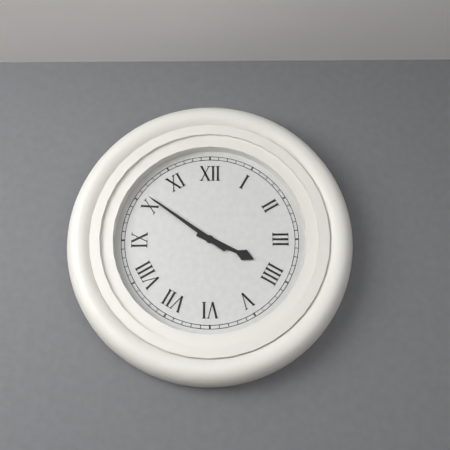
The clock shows 3:51
